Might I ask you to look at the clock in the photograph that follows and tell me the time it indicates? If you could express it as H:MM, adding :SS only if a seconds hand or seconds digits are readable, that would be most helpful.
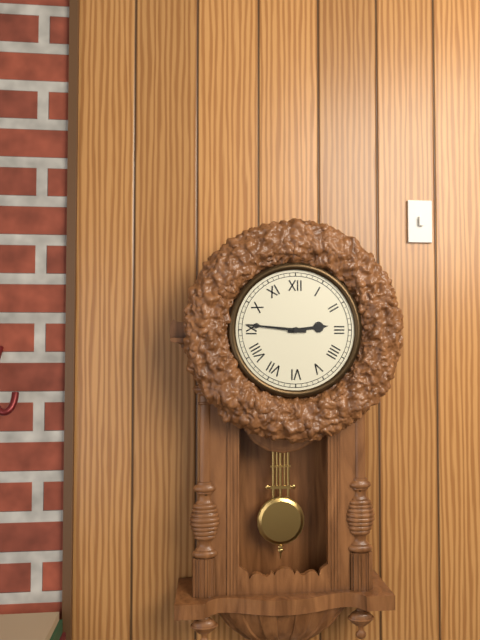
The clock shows 2:46
